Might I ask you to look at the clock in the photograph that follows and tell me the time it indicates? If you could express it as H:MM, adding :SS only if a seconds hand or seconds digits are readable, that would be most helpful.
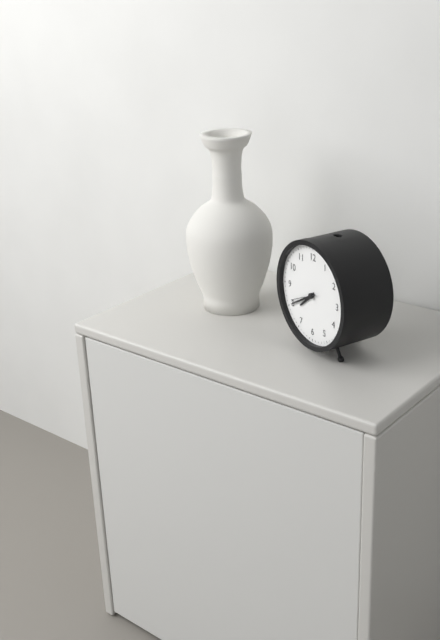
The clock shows 7:40
